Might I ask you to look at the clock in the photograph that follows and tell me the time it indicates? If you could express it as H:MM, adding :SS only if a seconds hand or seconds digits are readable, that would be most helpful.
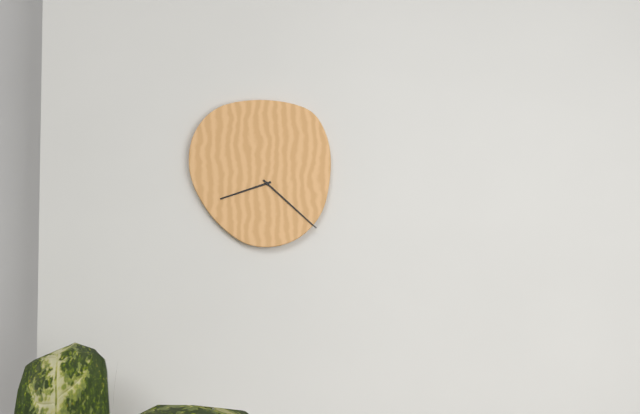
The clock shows 8:22
